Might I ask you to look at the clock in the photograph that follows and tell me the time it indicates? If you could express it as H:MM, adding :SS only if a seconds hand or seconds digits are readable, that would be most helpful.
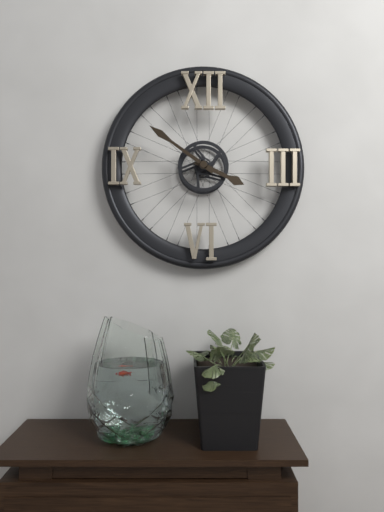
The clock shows 3:51
